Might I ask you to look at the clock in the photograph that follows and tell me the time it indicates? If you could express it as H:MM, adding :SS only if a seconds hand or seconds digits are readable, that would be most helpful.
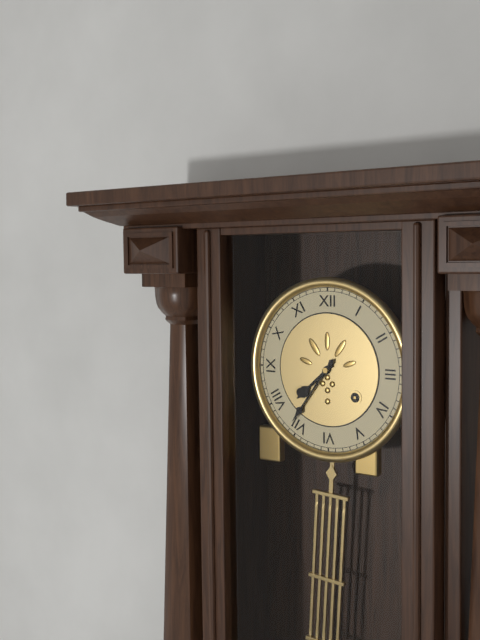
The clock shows 7:36
